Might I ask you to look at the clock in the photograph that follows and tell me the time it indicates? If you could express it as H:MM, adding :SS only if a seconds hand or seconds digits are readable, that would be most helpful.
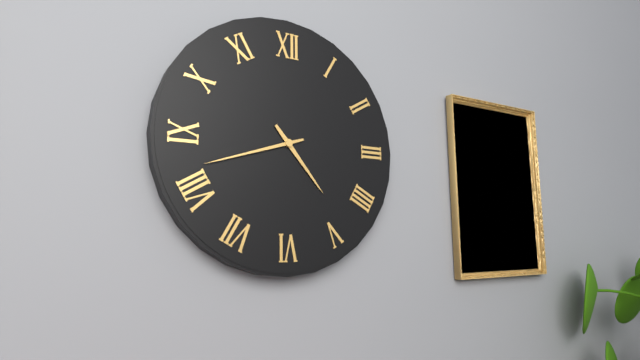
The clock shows 4:42
